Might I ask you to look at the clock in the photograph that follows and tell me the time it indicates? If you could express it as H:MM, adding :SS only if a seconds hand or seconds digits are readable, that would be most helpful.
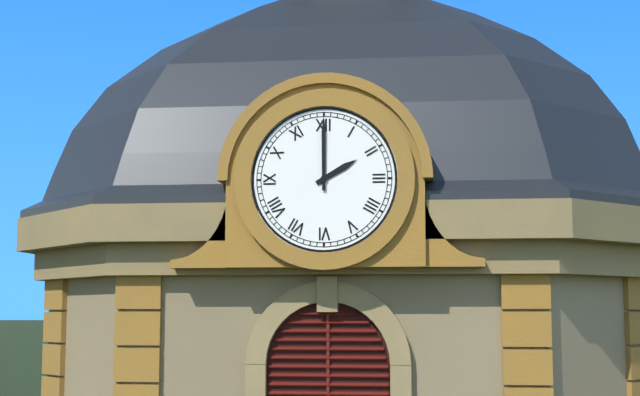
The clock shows 2:00
